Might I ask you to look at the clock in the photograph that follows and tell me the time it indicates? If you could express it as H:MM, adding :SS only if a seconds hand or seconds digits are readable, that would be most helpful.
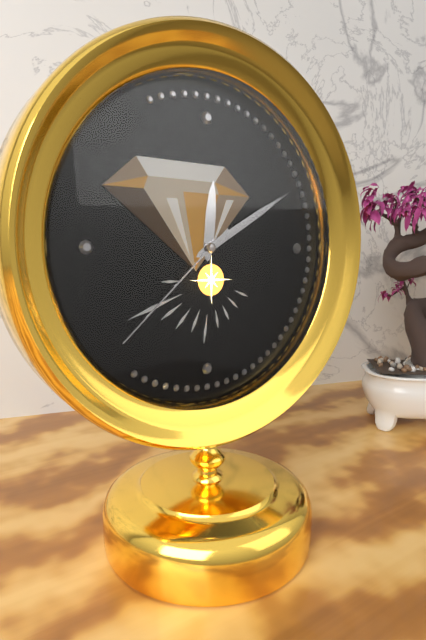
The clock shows 12:10:38
